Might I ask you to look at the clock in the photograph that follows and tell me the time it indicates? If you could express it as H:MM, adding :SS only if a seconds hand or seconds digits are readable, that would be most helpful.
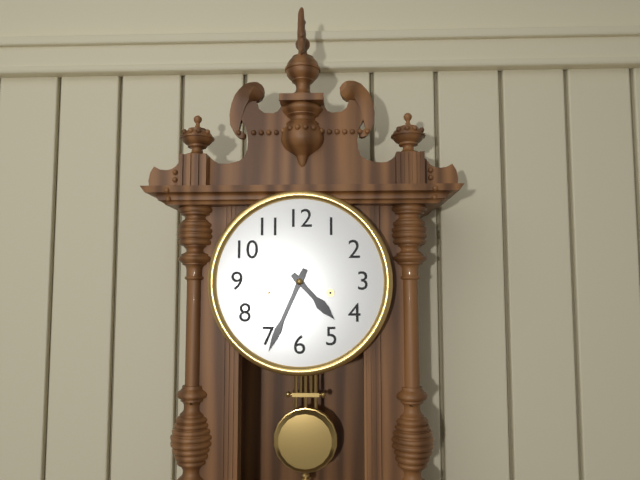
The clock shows 4:34
